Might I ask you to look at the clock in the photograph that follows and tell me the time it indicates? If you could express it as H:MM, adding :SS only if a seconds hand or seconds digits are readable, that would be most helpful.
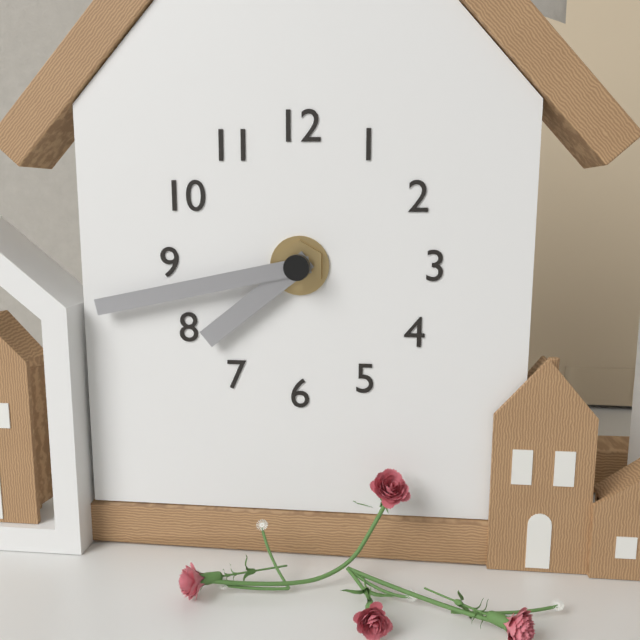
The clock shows 7:43
